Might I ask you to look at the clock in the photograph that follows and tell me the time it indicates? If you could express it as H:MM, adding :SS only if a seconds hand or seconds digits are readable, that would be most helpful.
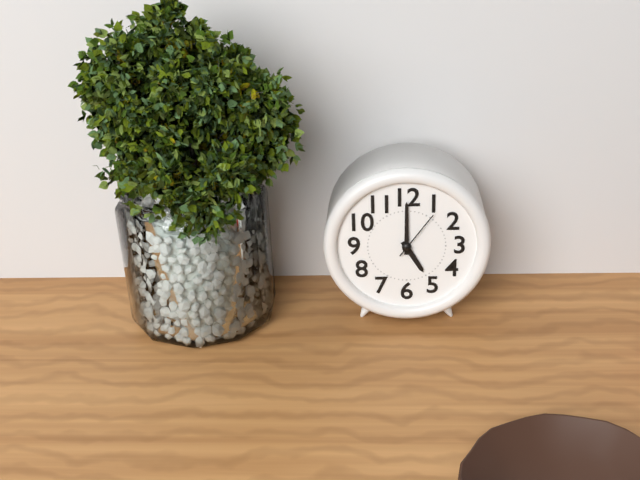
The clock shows 5:00:06
